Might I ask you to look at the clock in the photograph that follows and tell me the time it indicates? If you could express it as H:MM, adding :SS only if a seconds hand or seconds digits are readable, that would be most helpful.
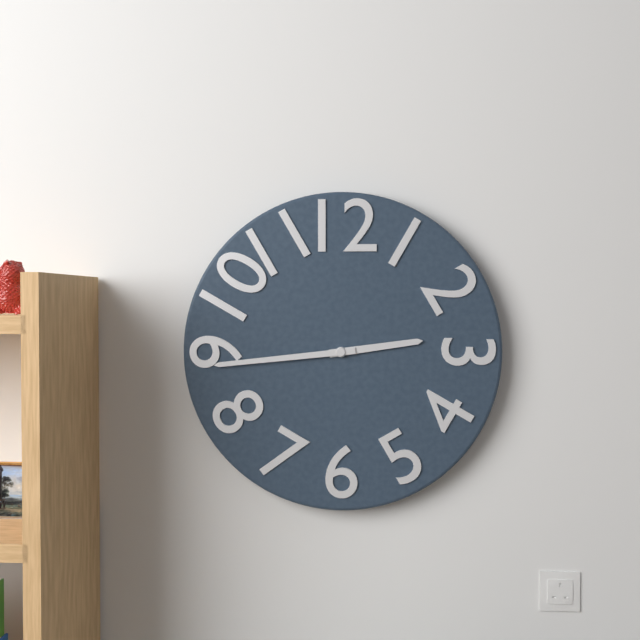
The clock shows 2:44
